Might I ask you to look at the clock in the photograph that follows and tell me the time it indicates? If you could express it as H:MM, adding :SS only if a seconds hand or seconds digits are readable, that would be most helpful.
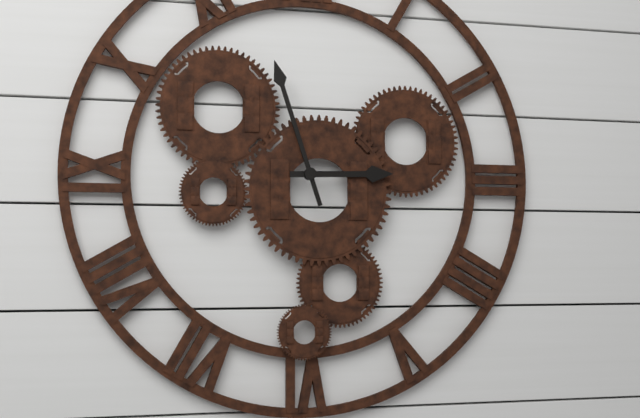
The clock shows 2:57
